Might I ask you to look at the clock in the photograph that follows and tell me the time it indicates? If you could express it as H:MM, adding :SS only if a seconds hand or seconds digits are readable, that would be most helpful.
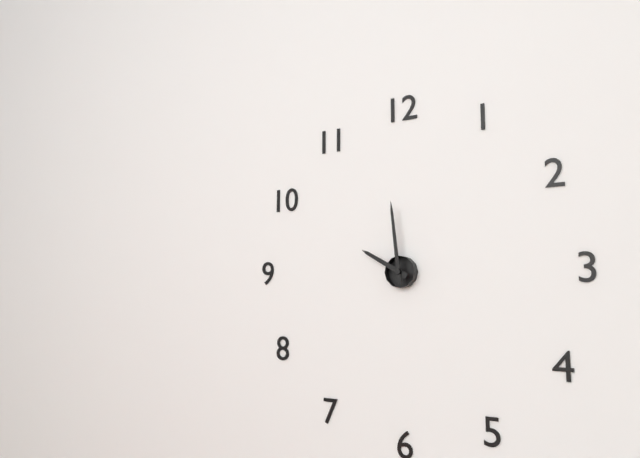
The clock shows 9:59
